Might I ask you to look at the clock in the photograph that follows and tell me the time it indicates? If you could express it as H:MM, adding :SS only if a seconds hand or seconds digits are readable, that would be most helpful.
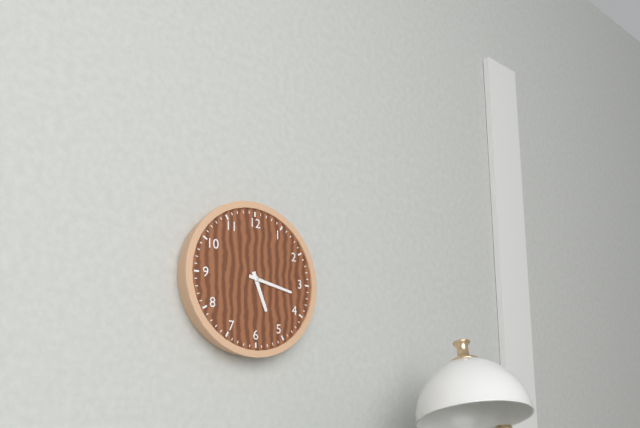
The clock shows 5:17
